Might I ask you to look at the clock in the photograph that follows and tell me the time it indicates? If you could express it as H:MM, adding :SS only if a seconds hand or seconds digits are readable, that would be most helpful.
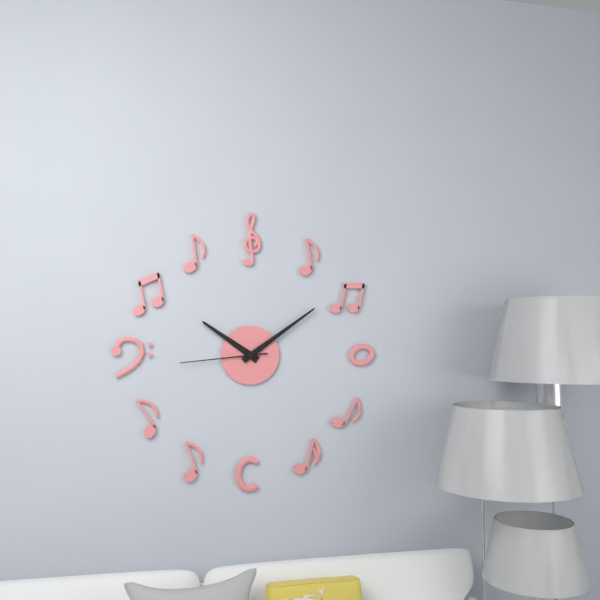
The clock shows 10:09:44
